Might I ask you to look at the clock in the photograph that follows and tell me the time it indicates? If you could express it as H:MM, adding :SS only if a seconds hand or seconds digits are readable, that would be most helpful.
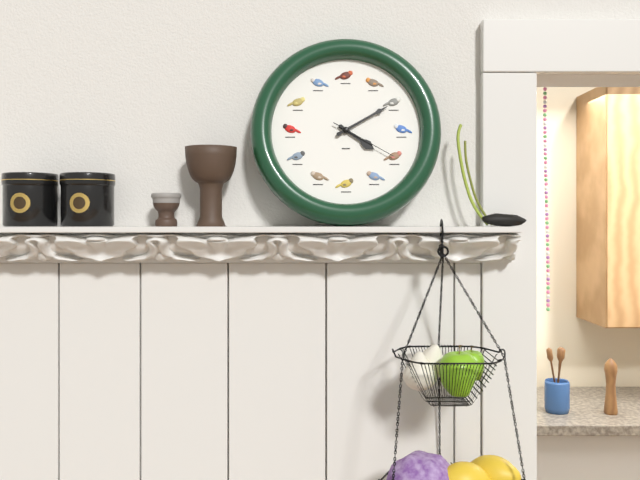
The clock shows 4:10:20
